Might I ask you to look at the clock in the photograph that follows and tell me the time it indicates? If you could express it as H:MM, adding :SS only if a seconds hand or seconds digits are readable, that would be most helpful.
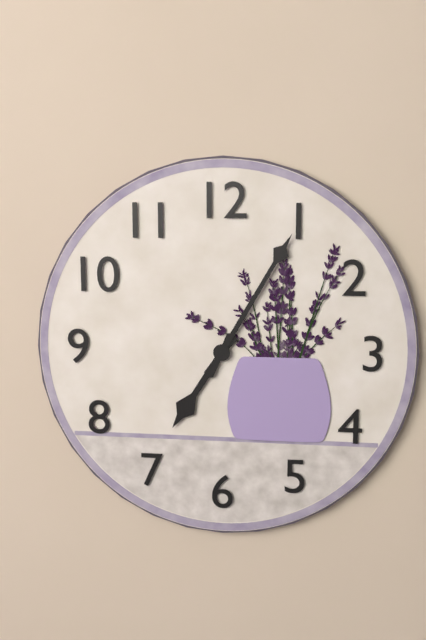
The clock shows 7:05
